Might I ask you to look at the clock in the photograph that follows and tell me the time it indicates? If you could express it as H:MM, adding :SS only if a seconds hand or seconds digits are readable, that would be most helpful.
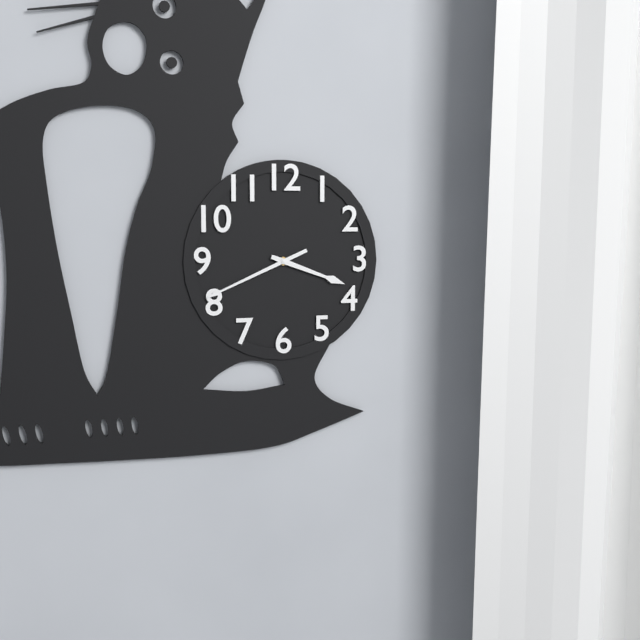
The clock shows 3:41
